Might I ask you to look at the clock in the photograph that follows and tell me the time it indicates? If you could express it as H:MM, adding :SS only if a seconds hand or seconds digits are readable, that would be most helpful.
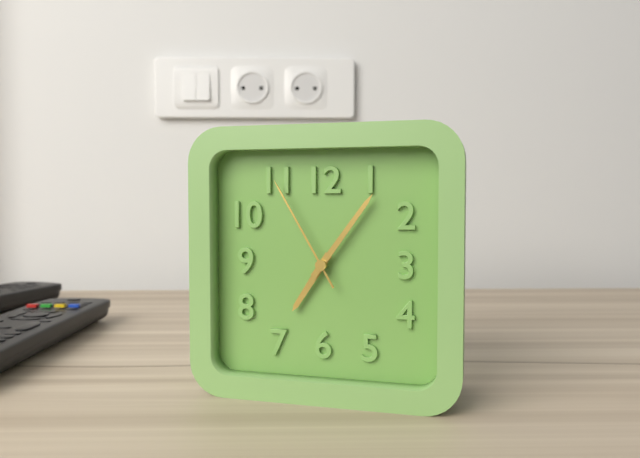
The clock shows 7:06:55
